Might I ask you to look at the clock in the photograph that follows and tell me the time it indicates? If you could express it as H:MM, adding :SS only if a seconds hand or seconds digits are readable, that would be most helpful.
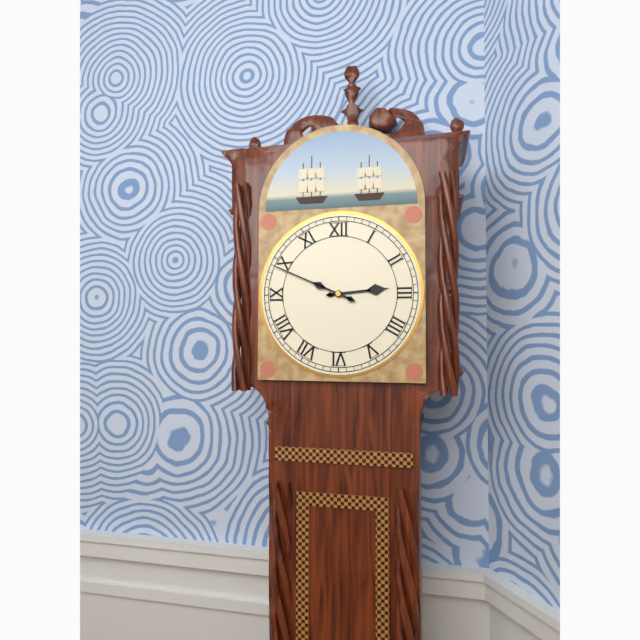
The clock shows 2:49
